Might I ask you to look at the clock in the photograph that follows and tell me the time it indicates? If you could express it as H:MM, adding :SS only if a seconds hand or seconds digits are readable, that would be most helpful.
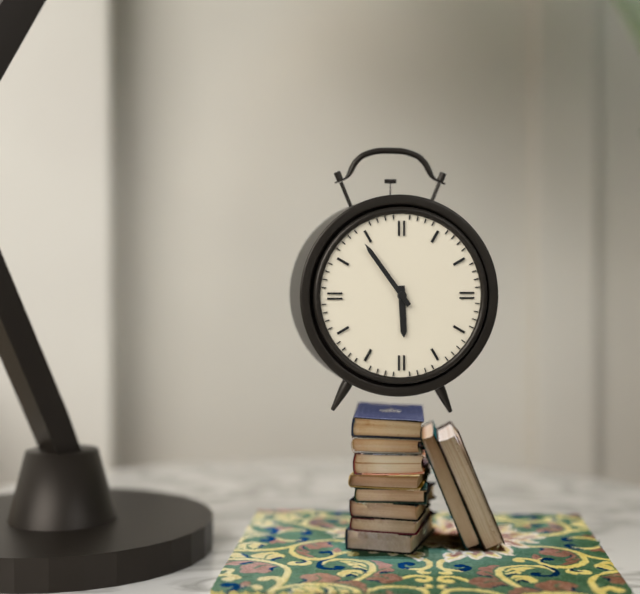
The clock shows 5:54
